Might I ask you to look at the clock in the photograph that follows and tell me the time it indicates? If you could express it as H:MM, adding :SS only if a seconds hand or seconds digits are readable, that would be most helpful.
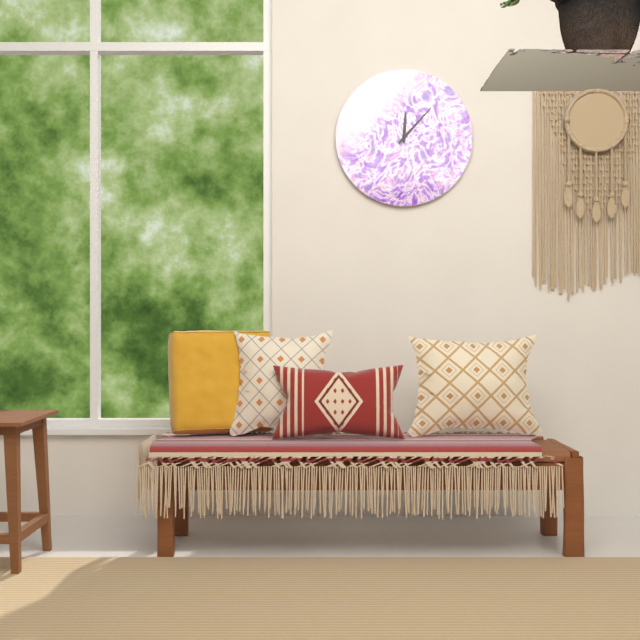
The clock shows 12:07
